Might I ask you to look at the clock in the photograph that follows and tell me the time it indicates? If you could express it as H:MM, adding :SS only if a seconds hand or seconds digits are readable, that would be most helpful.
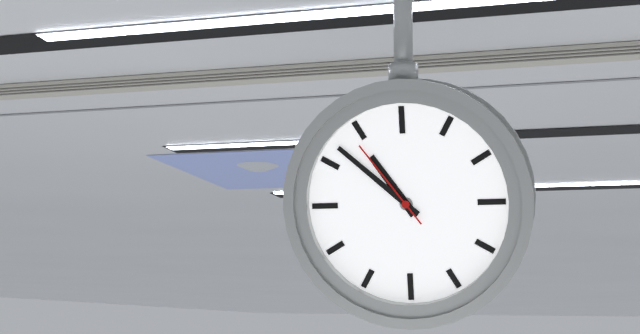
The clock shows 10:52:54
